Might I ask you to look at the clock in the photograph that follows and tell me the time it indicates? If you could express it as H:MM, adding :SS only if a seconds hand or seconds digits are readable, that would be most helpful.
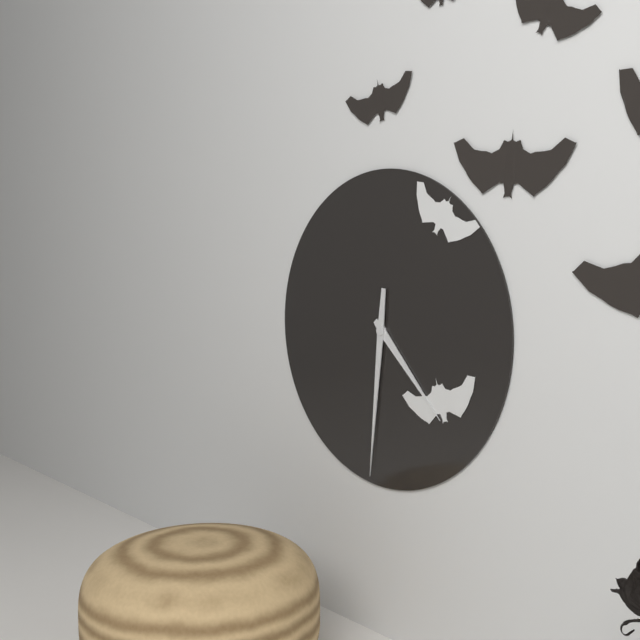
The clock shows 4:31
